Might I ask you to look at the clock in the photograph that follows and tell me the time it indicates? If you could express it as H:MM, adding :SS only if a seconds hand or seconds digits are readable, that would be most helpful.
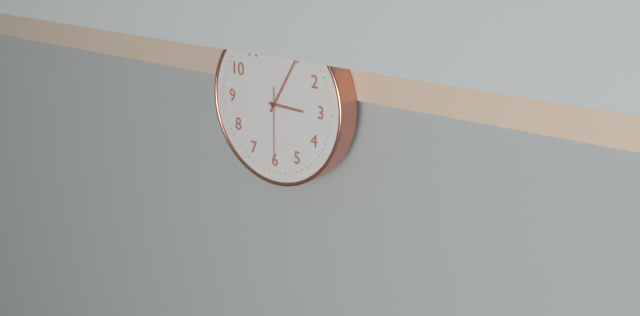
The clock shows 3:05:30
